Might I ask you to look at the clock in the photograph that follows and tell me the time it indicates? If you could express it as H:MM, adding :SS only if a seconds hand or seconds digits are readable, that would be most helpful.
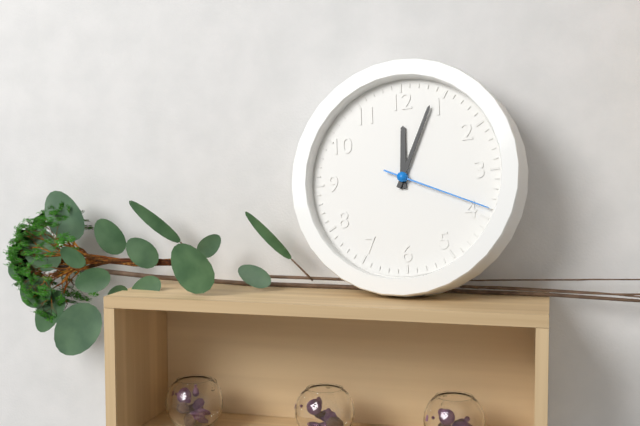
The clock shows 12:04:19
